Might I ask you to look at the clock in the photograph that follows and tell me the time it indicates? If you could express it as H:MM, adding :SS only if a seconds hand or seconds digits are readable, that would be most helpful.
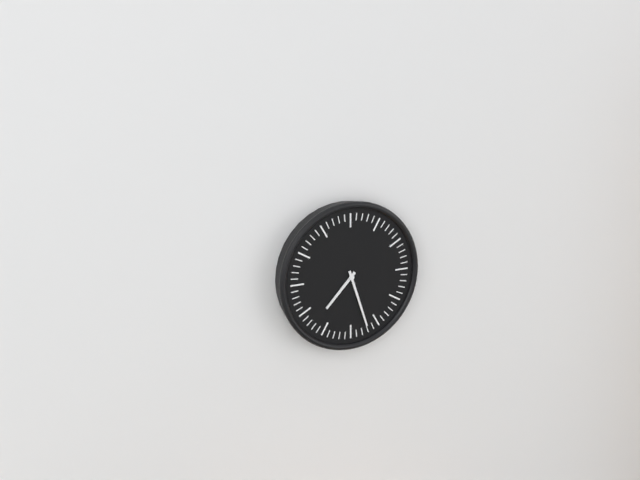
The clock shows 7:27
